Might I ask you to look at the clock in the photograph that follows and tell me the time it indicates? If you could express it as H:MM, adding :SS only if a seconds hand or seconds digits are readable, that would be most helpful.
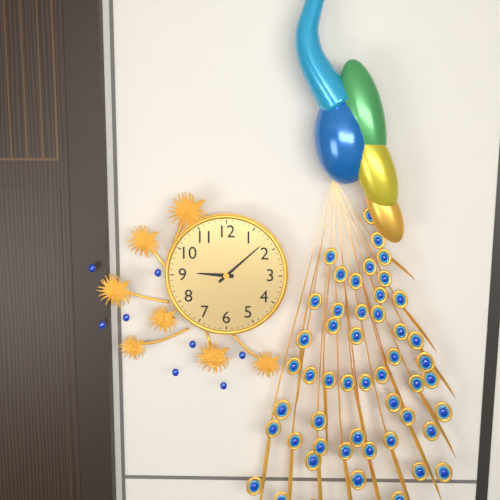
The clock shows 9:08
